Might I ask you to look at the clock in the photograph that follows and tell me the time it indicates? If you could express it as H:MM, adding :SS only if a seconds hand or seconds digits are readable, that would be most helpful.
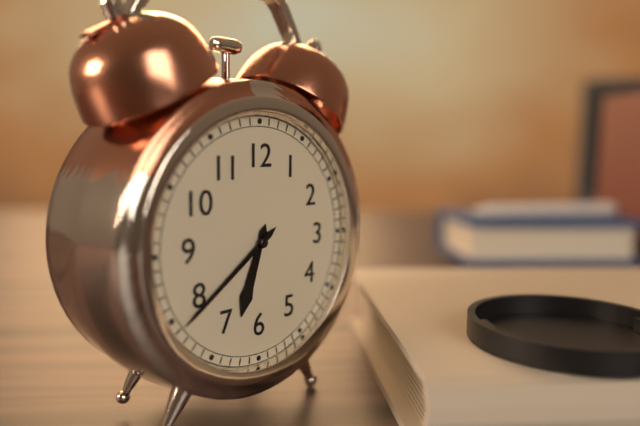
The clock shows 6:39
